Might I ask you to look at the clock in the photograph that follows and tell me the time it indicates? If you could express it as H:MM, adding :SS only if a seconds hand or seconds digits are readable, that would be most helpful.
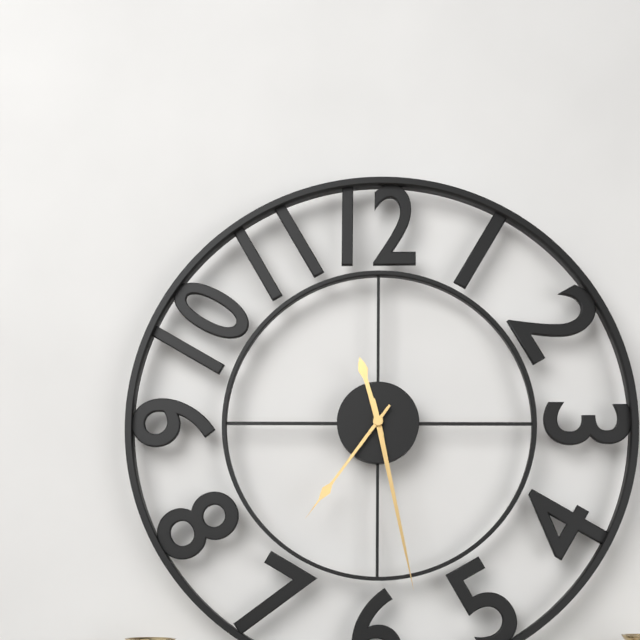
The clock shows 11:28:36
